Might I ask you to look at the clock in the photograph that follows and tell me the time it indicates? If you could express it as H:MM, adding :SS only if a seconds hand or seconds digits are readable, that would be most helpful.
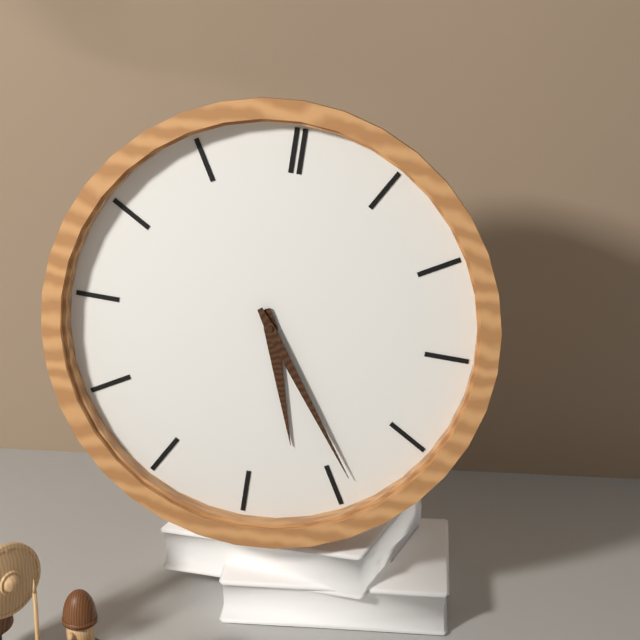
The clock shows 5:24
